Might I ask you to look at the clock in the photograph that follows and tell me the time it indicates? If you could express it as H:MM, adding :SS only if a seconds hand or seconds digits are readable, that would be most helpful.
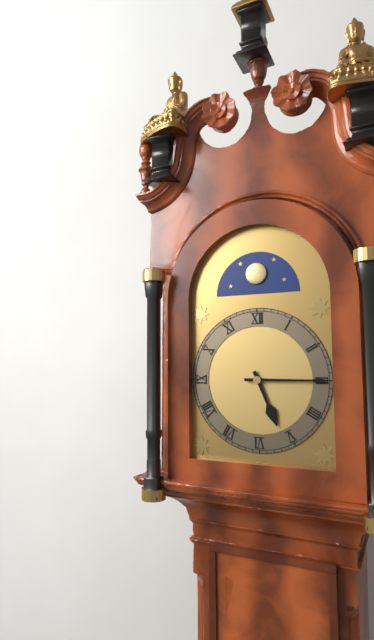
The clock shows 5:15
